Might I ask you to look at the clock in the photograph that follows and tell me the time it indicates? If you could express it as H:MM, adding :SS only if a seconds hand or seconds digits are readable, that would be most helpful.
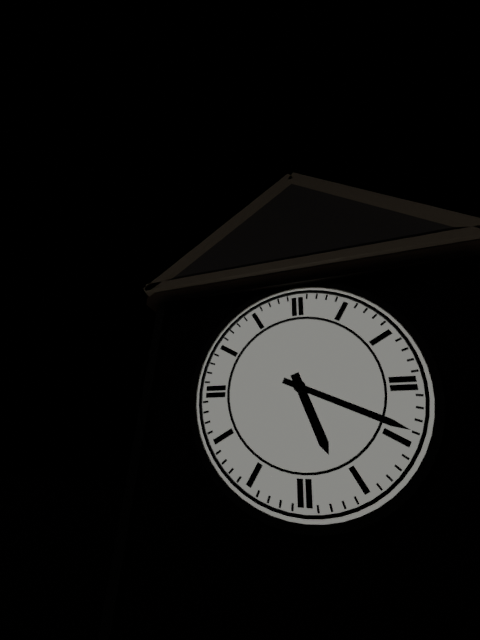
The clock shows 5:19
